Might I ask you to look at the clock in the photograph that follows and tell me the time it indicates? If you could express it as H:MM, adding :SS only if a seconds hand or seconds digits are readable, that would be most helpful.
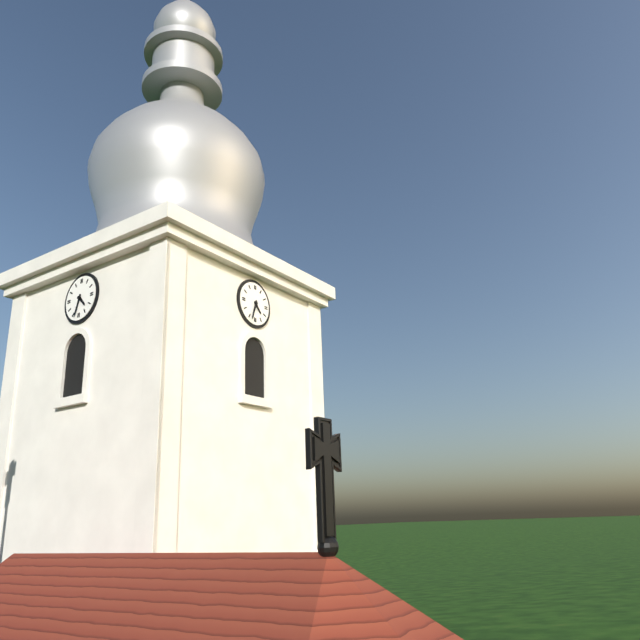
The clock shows 4:33
